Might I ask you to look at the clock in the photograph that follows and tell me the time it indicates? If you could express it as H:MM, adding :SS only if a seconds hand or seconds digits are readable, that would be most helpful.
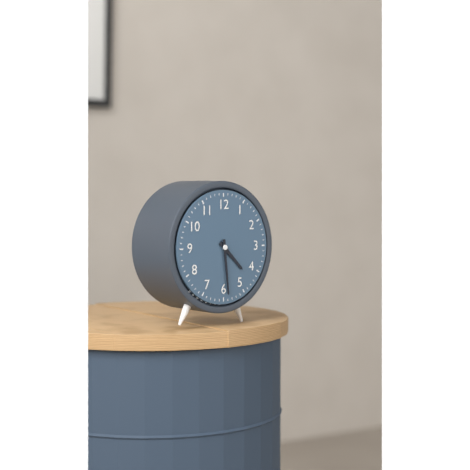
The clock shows 4:29
